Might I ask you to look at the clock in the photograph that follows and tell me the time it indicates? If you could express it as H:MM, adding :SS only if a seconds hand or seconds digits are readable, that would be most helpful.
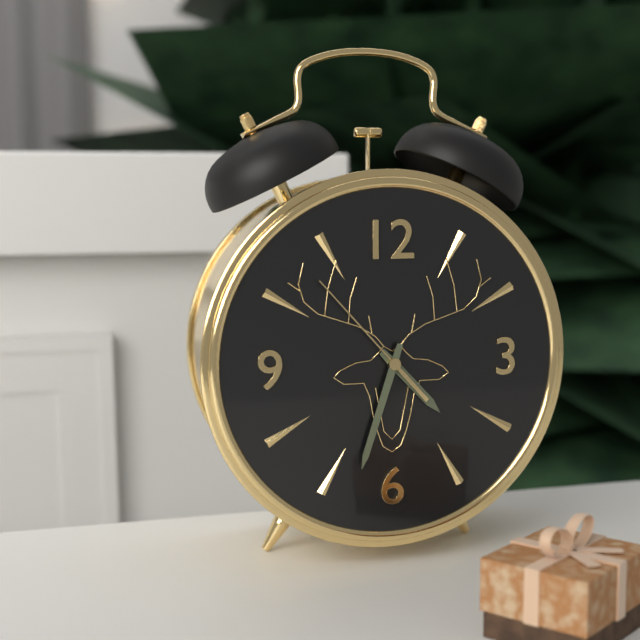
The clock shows 4:33:53
